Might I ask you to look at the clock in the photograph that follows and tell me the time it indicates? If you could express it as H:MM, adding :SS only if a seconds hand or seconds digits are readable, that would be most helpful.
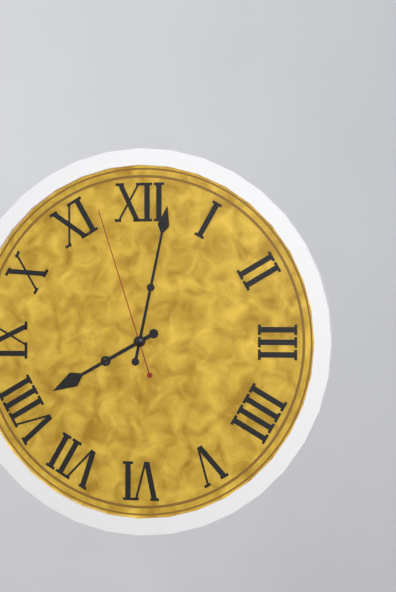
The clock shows 8:02:57
